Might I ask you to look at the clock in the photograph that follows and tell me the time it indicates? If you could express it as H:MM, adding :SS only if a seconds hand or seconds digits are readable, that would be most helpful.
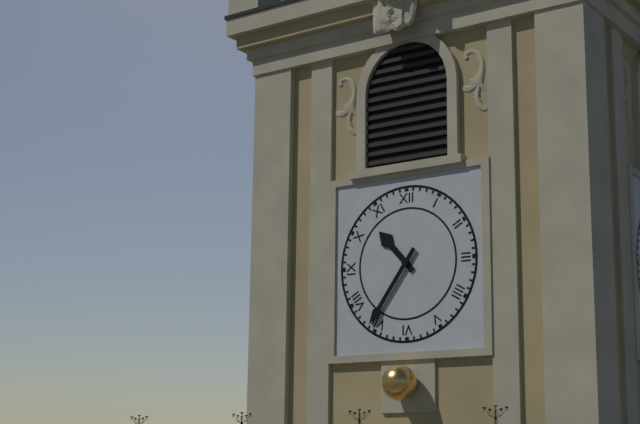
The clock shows 10:36
